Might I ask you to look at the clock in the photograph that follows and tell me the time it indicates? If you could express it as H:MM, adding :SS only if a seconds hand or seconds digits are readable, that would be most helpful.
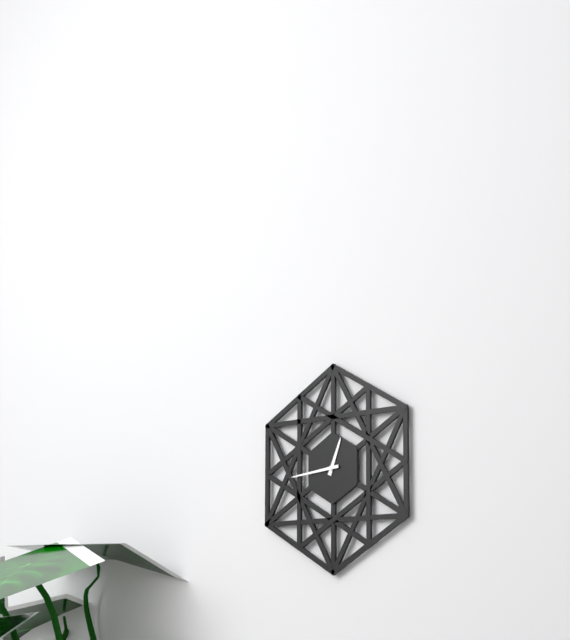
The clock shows 12:44
